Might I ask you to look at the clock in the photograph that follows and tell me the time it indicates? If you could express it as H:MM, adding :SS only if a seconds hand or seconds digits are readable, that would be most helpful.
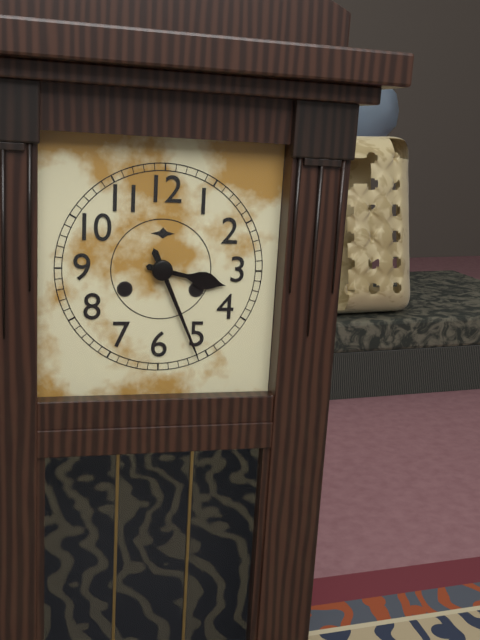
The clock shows 3:26
